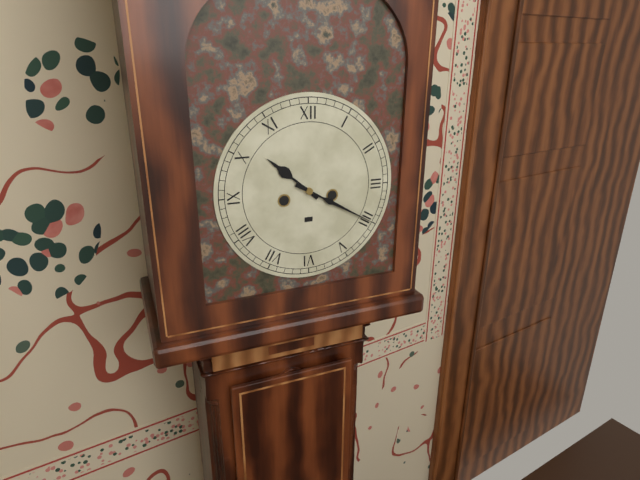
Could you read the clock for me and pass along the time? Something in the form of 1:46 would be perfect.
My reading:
10:20
